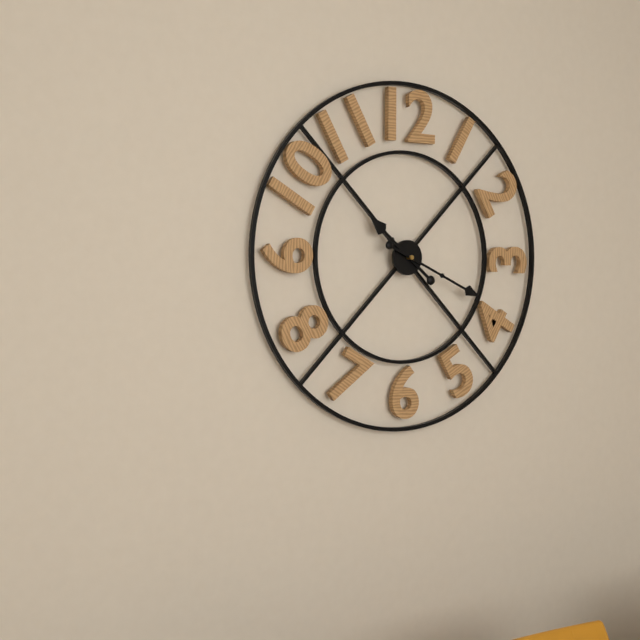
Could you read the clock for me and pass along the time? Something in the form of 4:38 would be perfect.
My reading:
10:19
